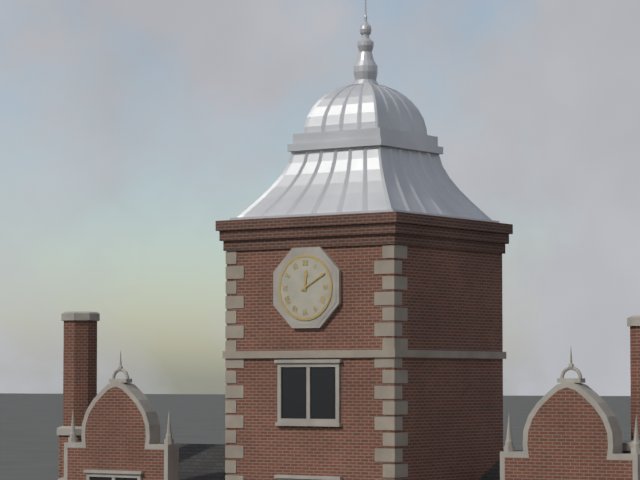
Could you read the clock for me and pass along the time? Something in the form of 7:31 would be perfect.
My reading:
12:10
